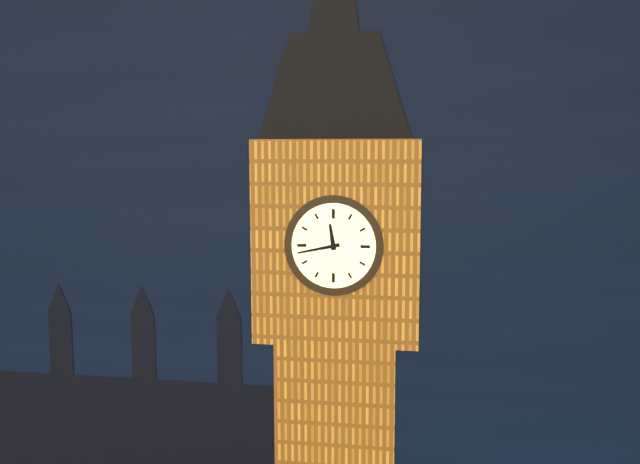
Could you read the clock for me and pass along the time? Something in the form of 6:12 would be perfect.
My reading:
11:43
